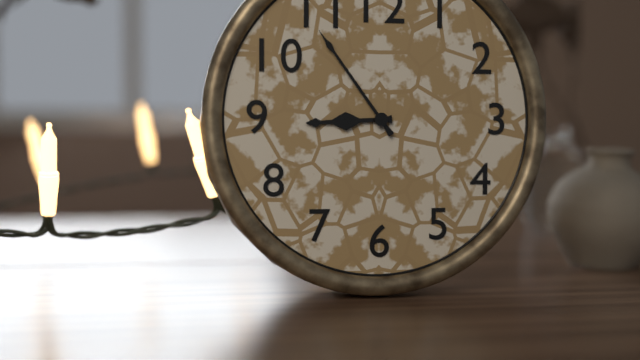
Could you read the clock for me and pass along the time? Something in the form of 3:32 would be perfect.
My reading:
8:54
